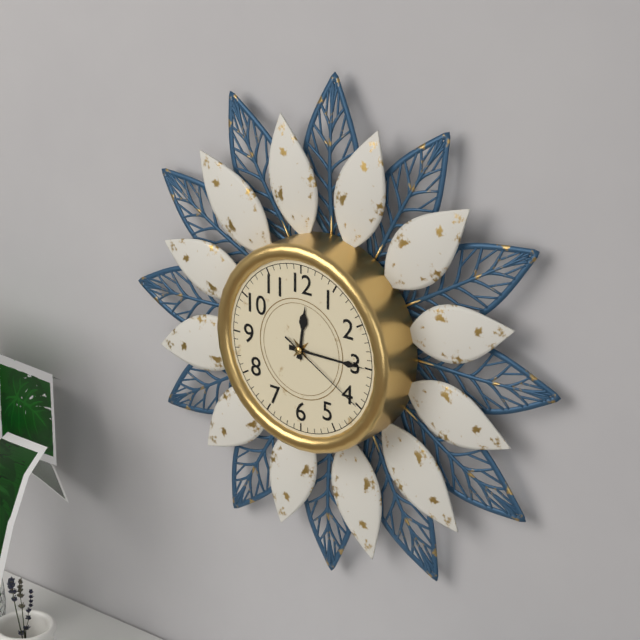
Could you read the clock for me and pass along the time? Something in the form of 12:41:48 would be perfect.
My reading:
12:15:20
